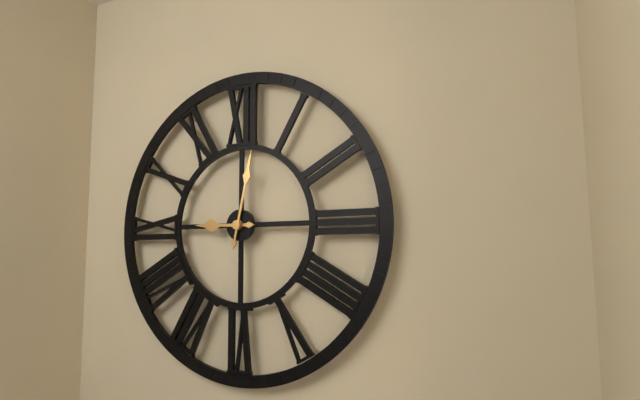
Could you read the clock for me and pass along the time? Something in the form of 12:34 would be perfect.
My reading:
9:02
